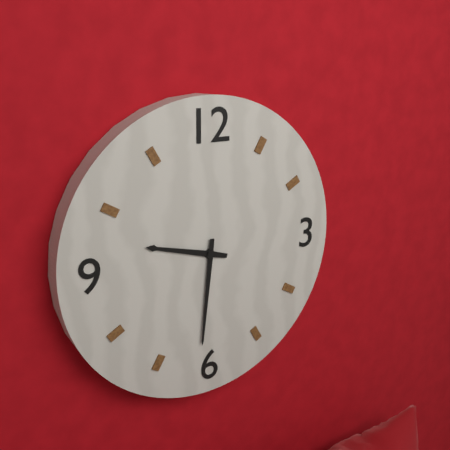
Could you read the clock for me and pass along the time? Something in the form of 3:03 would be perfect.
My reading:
9:31
